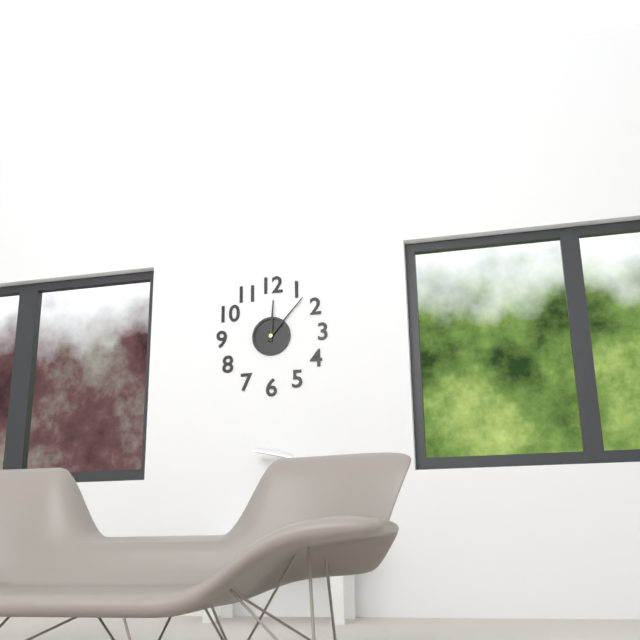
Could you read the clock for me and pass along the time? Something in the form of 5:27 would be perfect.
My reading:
12:07
